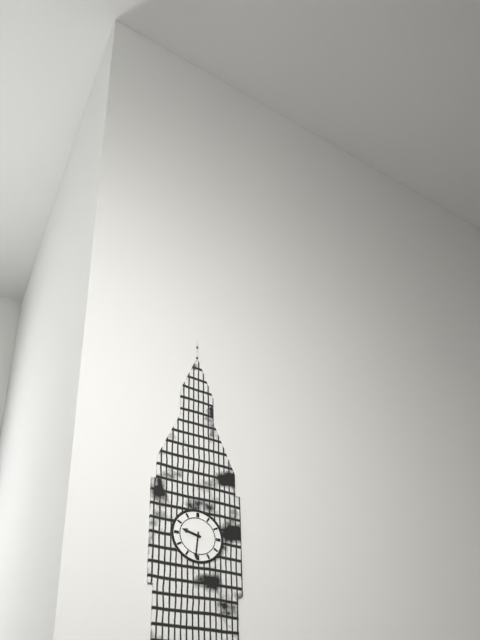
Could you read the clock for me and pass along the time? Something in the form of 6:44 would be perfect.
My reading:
9:31
